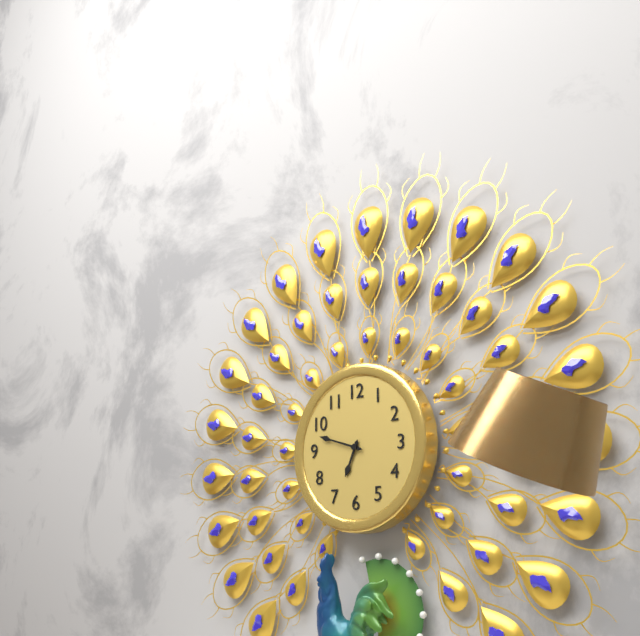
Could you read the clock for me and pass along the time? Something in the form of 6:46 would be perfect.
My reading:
6:48
